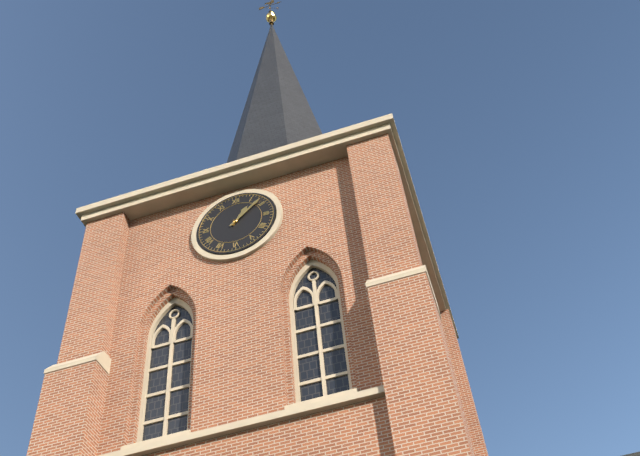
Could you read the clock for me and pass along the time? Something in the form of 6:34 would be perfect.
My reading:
1:08
